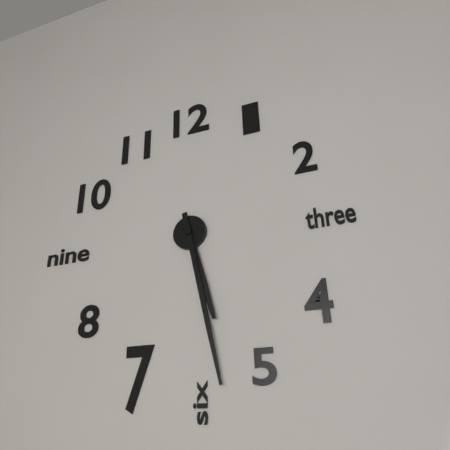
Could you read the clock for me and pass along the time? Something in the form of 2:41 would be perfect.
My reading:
5:28
